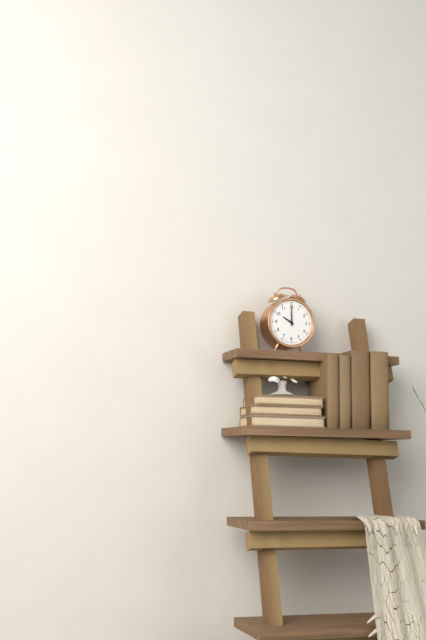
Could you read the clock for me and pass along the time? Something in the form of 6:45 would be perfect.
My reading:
10:00
